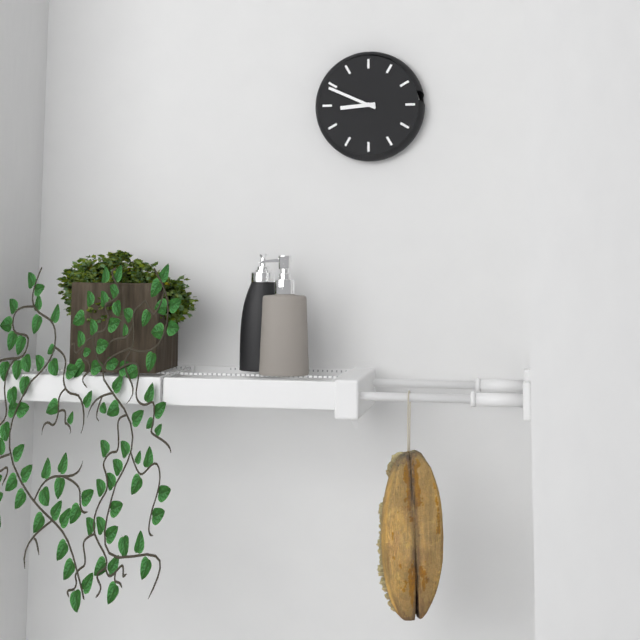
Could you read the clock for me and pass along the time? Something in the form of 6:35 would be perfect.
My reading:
8:49
